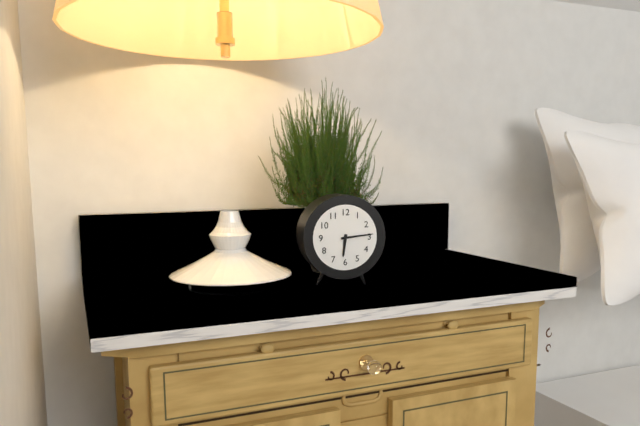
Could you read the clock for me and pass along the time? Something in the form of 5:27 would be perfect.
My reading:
6:14
